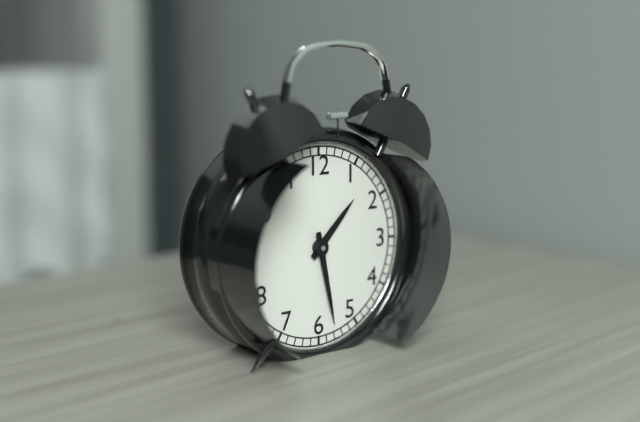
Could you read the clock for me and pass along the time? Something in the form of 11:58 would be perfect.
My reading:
1:28
